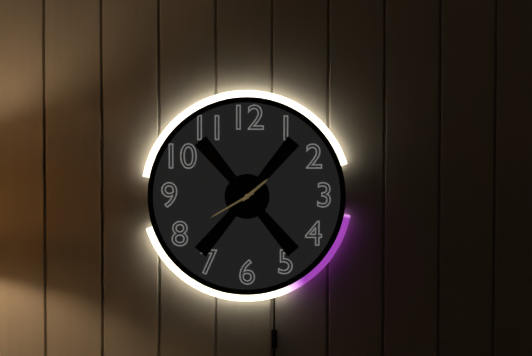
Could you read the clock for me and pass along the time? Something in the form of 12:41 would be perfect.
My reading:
1:40
